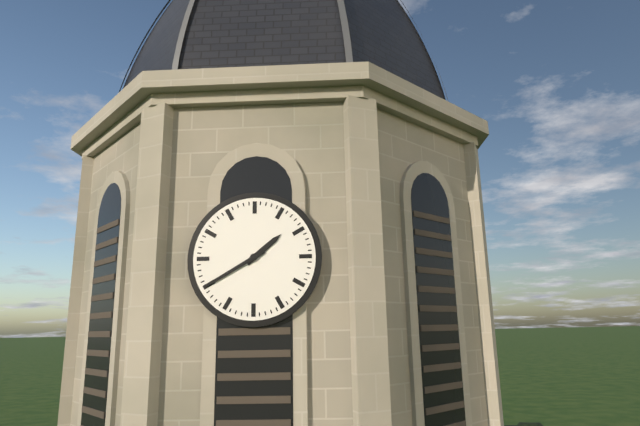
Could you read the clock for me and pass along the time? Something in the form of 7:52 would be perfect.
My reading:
1:40
